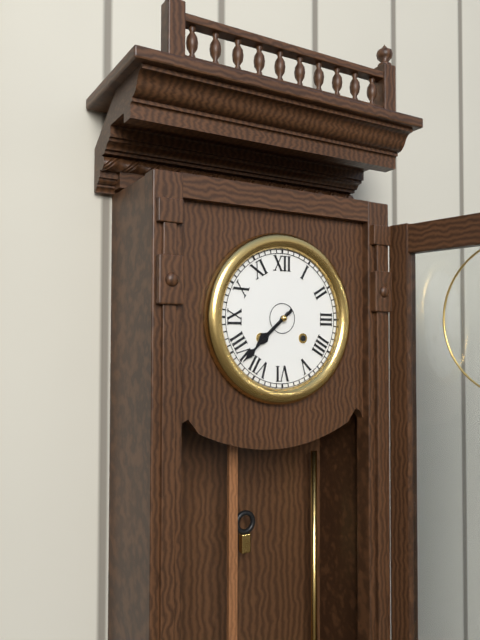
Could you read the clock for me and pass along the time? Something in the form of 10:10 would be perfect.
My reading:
7:38
